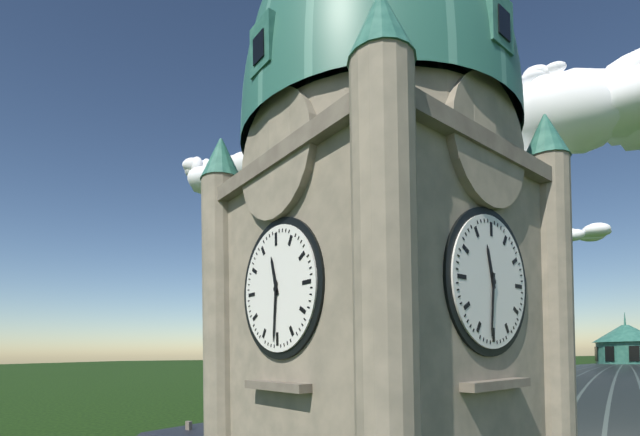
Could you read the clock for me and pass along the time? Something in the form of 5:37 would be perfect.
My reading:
11:31
